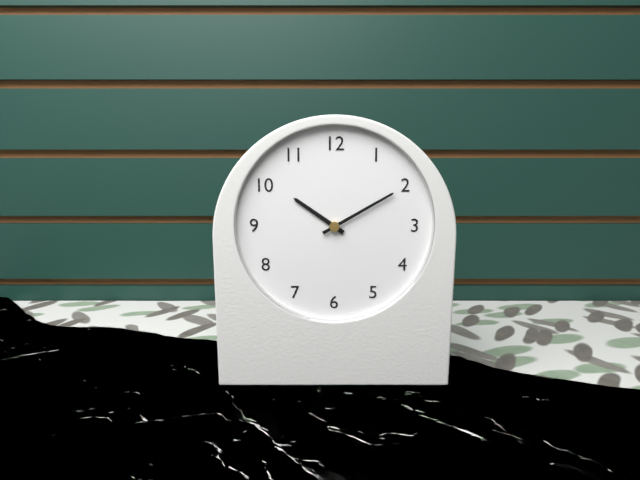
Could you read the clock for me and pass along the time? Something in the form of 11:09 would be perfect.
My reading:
10:10
